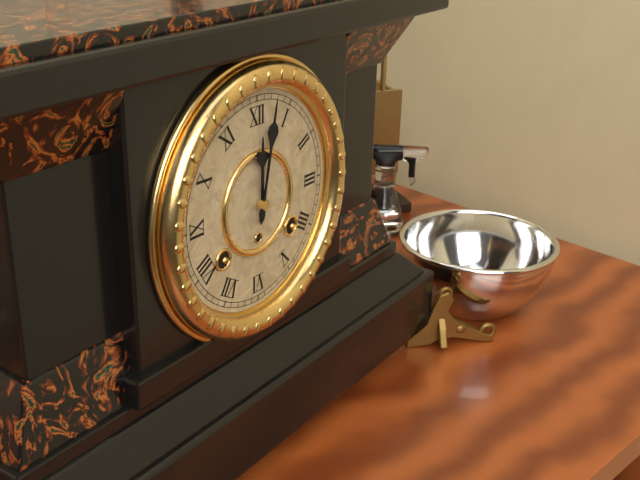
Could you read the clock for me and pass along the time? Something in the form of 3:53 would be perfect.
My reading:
12:02
